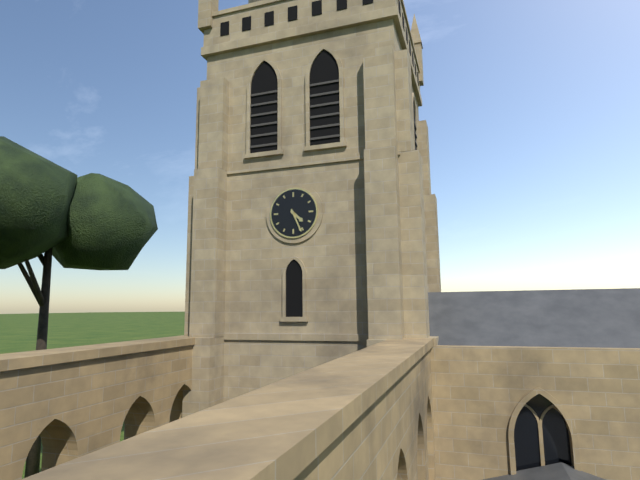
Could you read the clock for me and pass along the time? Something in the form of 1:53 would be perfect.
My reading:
4:26
